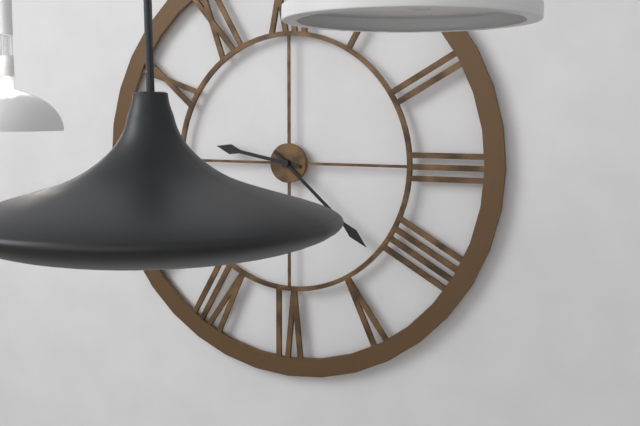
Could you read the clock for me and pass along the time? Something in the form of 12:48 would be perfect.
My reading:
9:22
